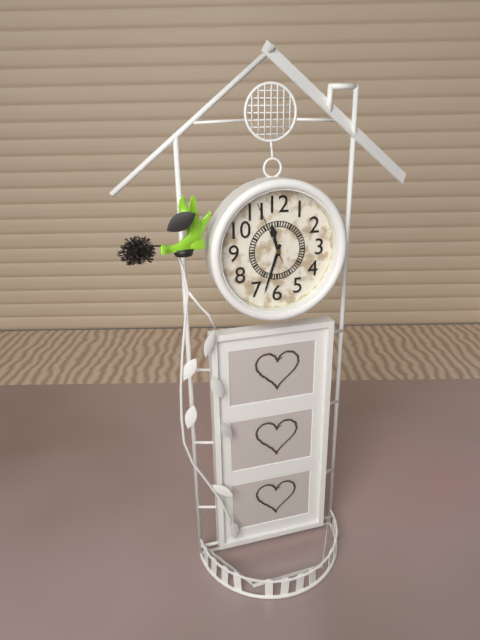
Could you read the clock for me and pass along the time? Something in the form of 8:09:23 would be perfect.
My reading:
11:33:56
